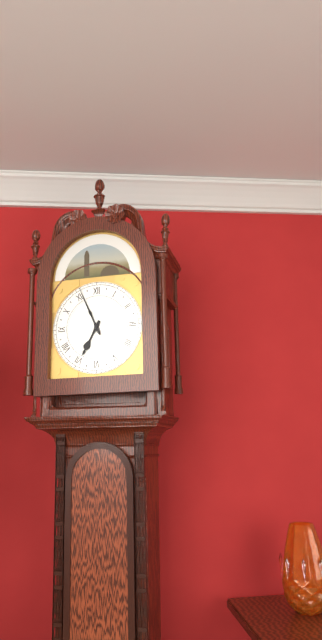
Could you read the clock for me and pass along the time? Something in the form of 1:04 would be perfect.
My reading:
6:56
